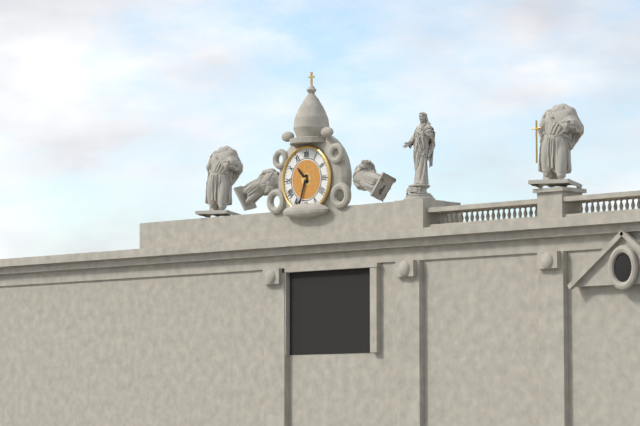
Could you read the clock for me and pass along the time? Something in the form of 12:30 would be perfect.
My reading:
10:33
